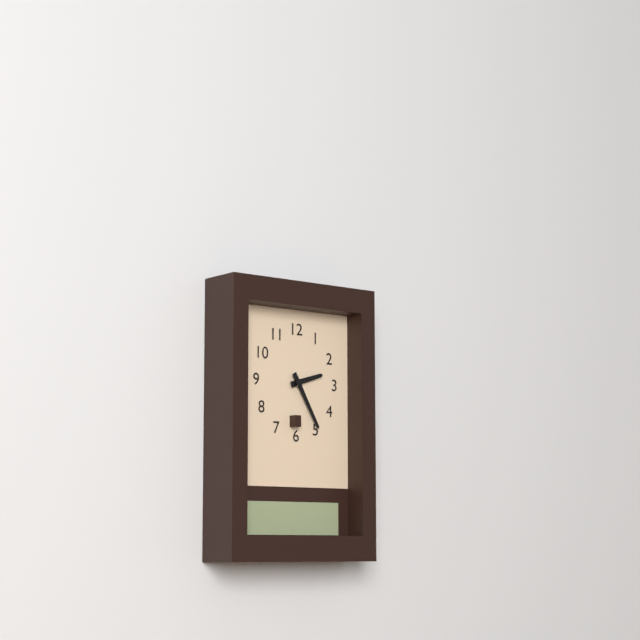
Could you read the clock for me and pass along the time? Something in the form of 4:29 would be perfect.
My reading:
2:25
